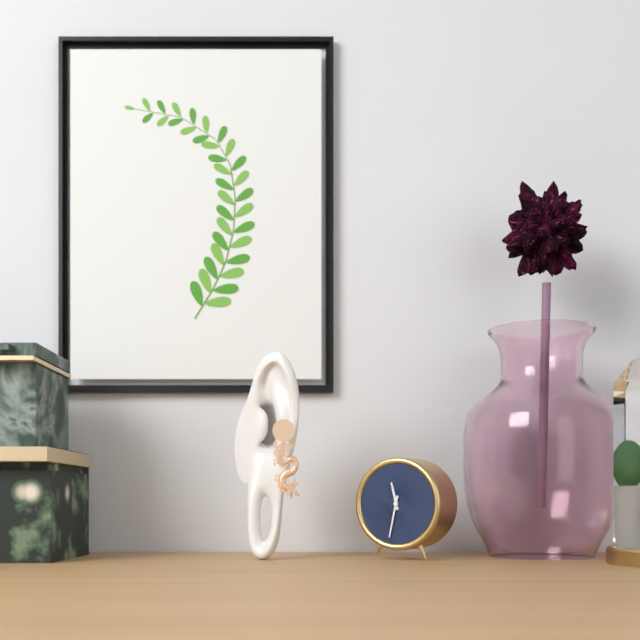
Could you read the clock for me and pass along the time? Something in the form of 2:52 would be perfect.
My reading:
11:32
